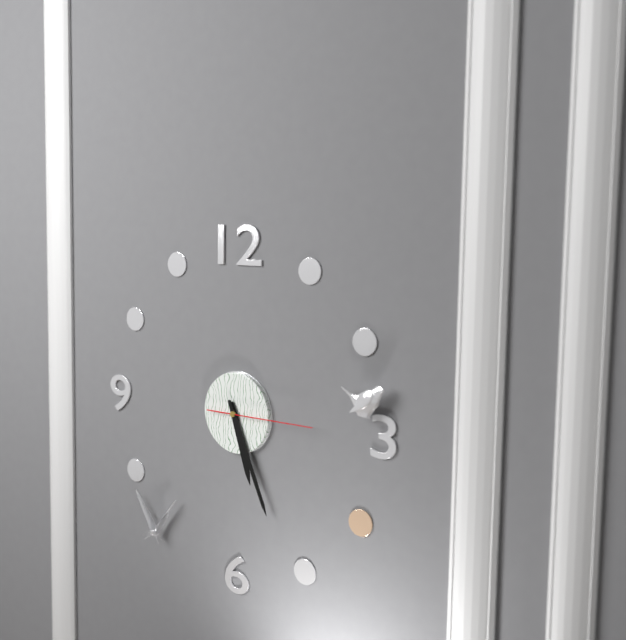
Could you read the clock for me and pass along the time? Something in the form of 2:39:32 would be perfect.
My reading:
5:26:15
